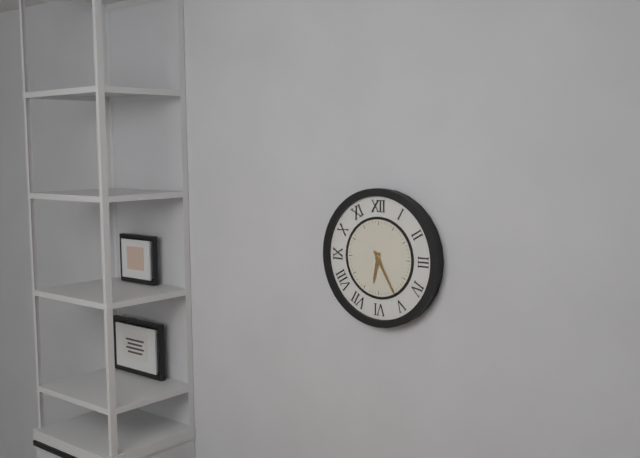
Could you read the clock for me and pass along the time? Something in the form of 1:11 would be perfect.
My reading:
6:25
